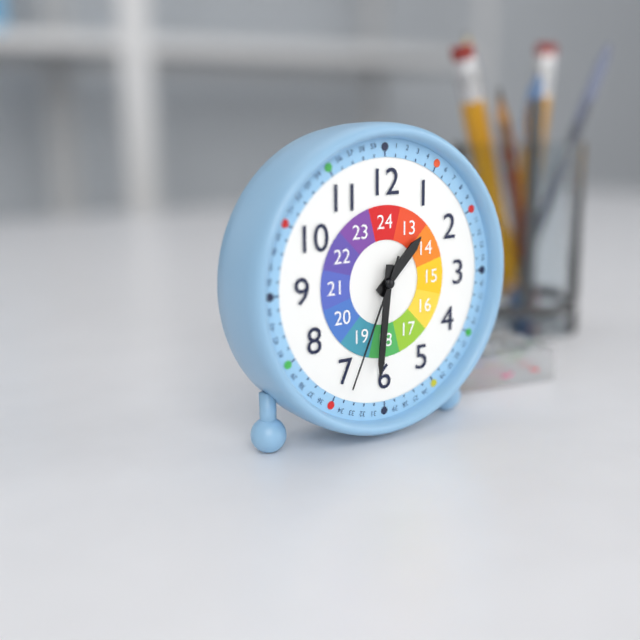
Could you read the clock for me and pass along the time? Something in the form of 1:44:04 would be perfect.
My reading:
1:31:34
